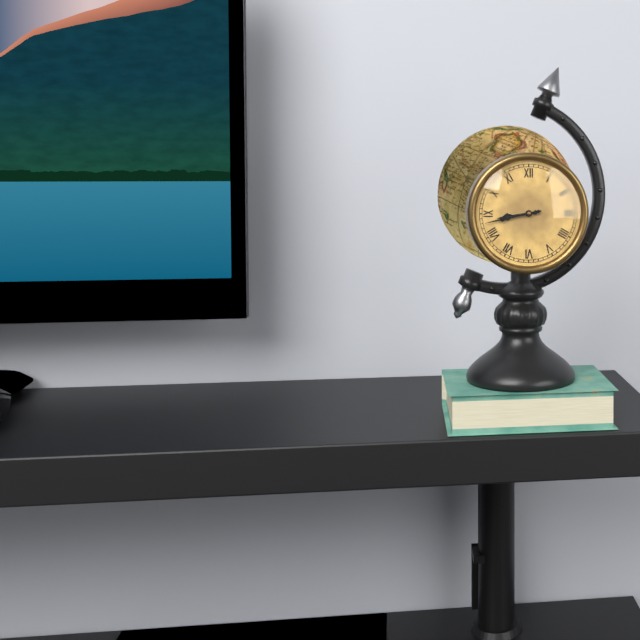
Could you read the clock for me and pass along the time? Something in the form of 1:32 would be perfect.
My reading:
8:43
